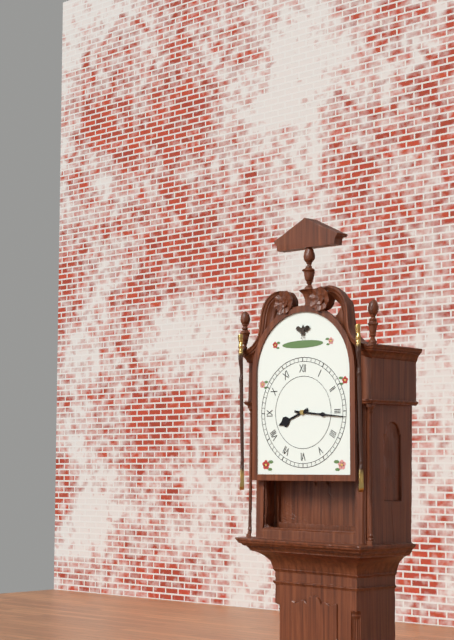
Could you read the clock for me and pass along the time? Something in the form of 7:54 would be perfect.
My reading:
8:16
